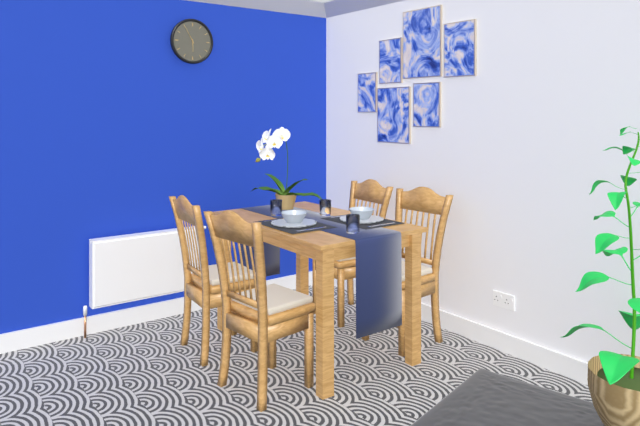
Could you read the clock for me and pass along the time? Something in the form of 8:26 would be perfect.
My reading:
5:55
